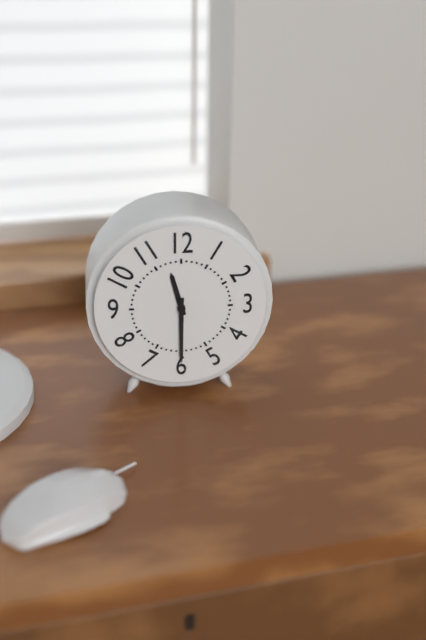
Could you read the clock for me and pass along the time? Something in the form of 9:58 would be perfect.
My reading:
11:30
